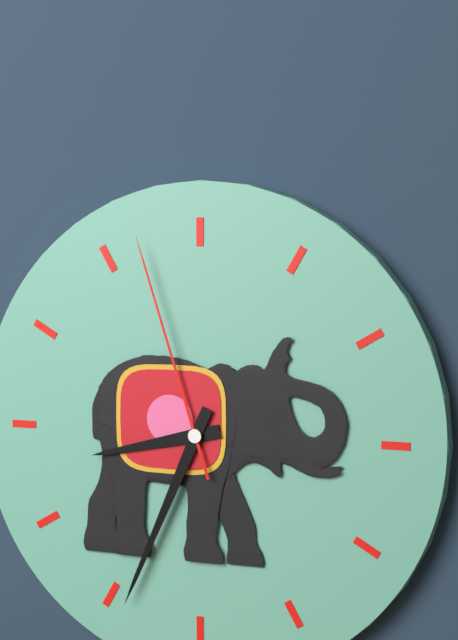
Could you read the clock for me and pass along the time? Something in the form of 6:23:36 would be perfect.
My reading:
8:34:57
